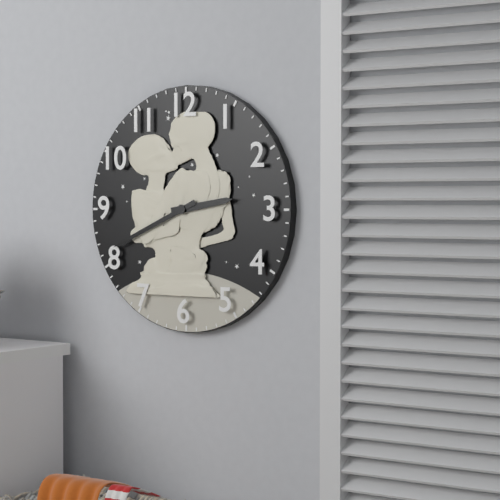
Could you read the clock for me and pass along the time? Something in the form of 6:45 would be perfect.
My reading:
2:41
